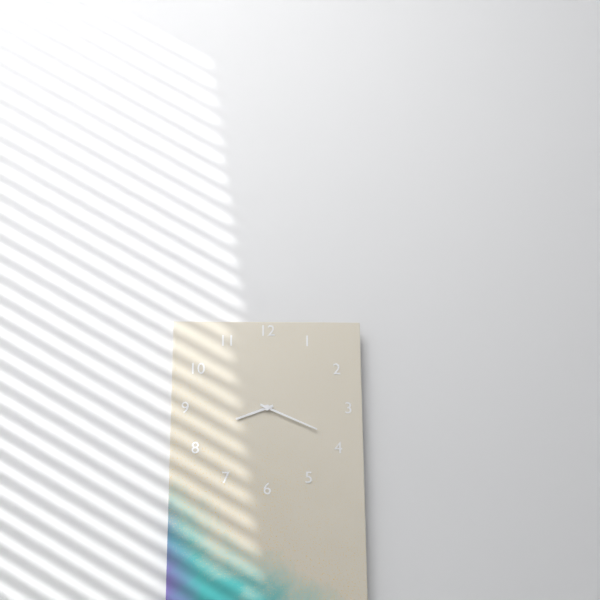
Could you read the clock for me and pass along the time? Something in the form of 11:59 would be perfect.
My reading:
8:19
